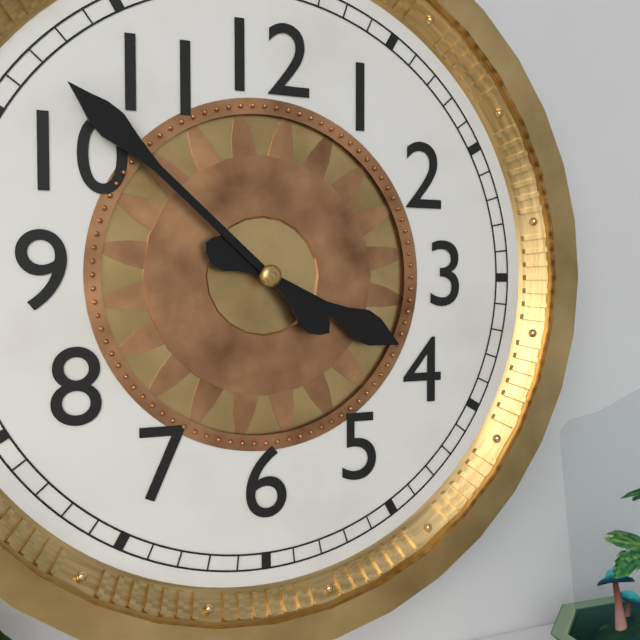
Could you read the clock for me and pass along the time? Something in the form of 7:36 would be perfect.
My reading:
3:52
